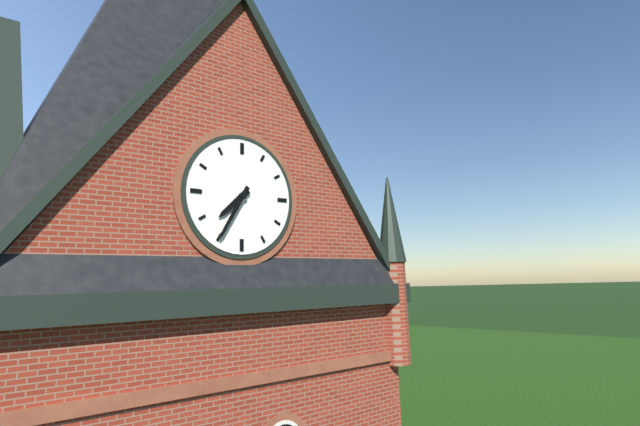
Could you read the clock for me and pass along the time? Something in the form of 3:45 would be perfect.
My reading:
7:35
